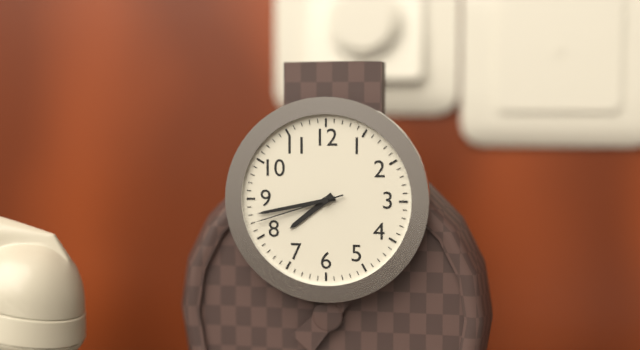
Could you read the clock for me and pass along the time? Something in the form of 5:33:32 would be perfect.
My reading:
7:43:42
